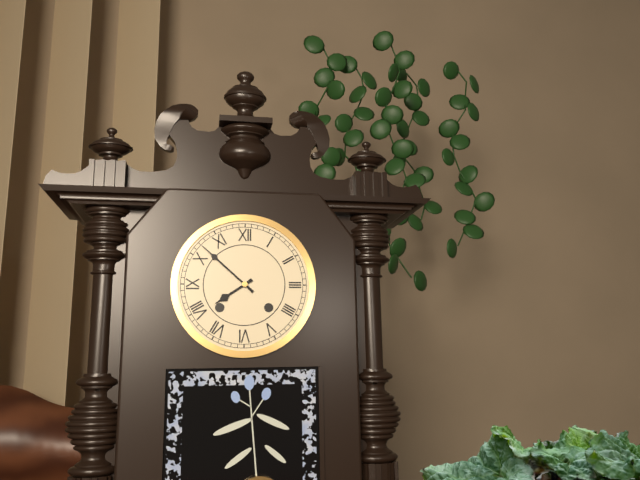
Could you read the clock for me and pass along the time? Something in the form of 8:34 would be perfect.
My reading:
7:52
